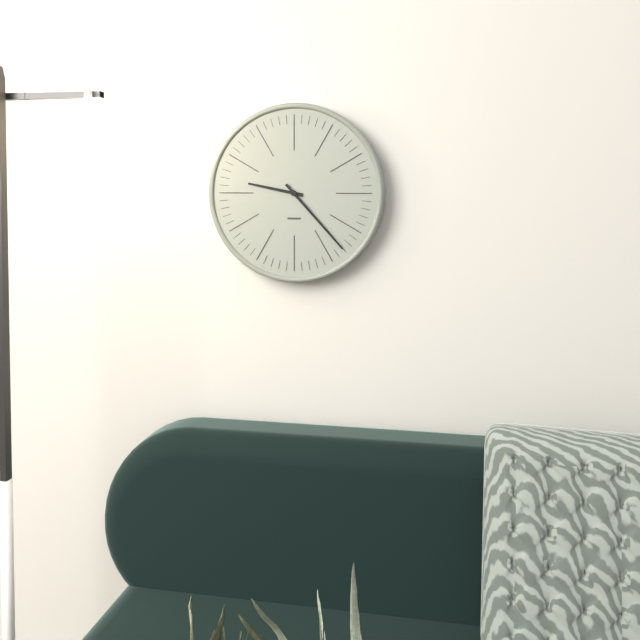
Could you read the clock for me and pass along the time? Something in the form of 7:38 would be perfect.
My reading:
9:23
